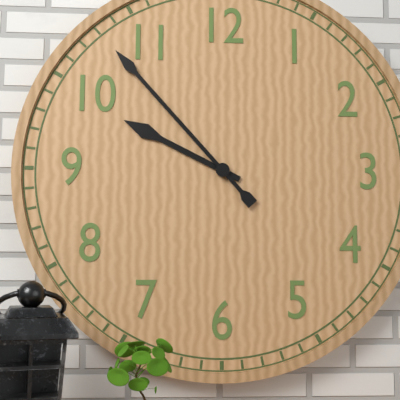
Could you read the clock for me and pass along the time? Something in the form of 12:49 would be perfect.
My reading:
9:53
